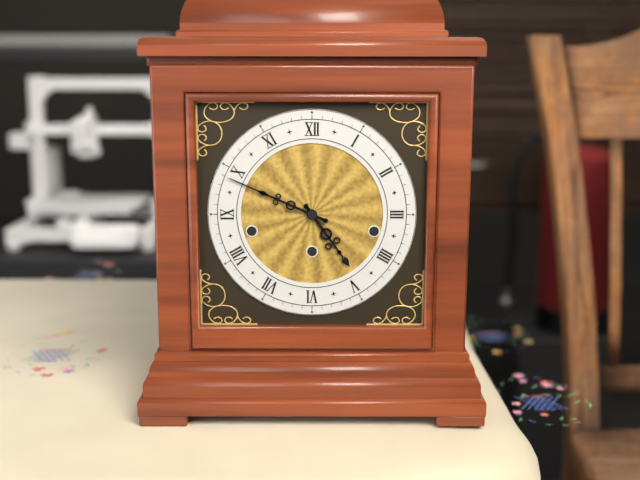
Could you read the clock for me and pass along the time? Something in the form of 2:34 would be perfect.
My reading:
4:49
